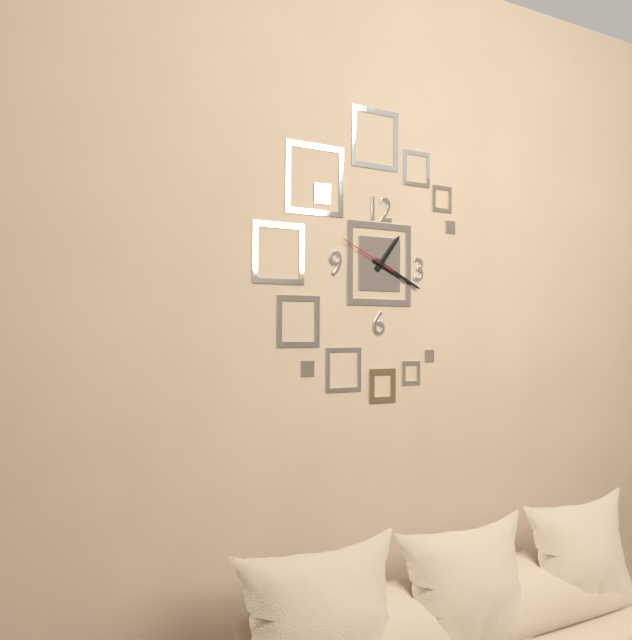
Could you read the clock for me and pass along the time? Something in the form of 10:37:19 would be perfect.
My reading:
1:19:49
